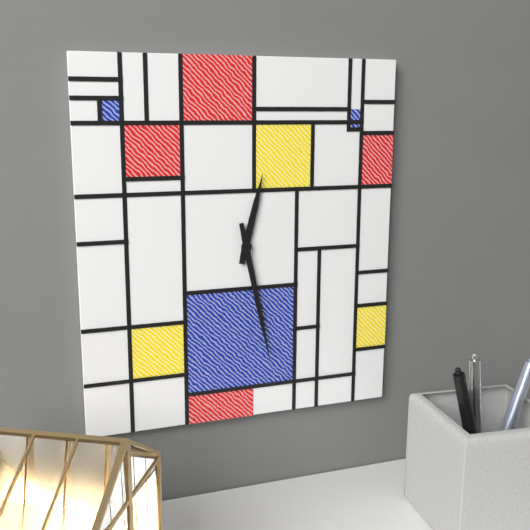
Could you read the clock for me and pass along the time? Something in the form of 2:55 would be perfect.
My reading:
12:28
